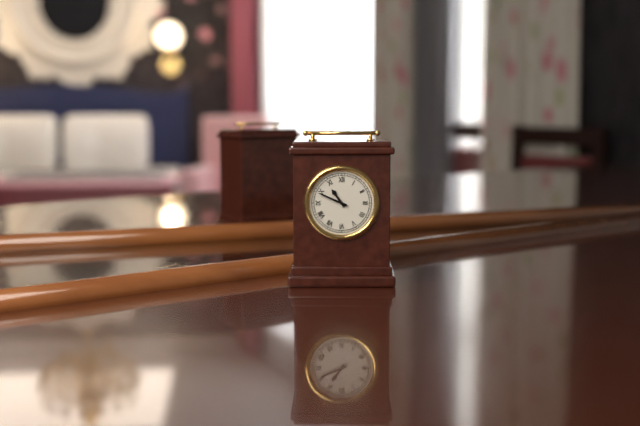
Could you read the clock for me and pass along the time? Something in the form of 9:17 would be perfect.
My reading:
10:49
